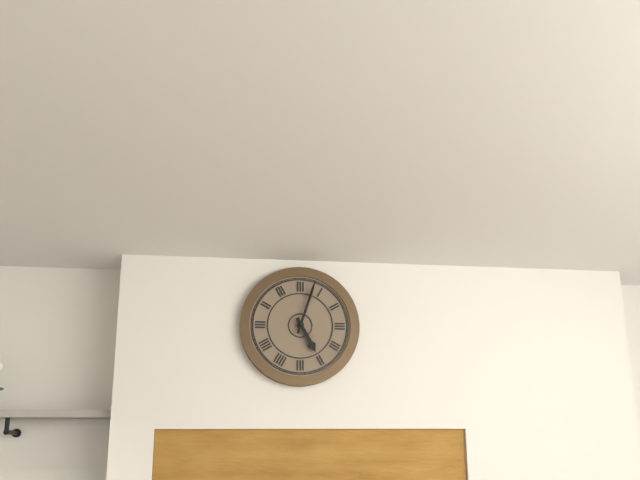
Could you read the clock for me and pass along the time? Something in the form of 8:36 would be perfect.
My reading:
5:03
